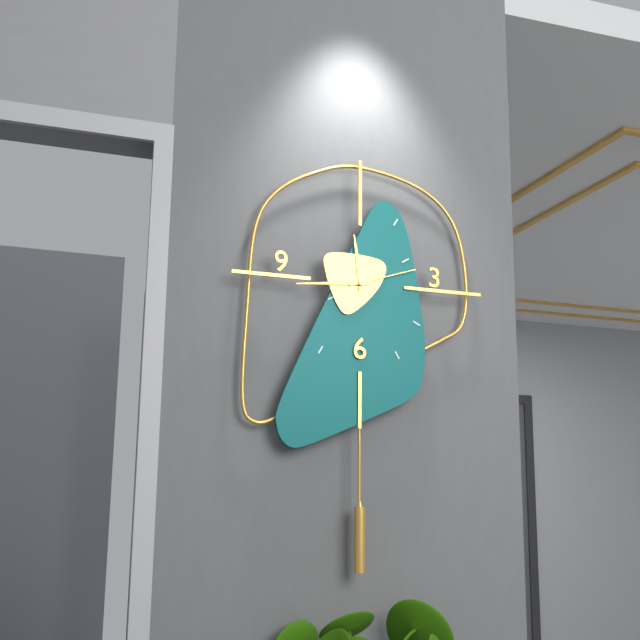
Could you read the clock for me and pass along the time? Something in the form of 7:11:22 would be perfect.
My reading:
11:44:12
